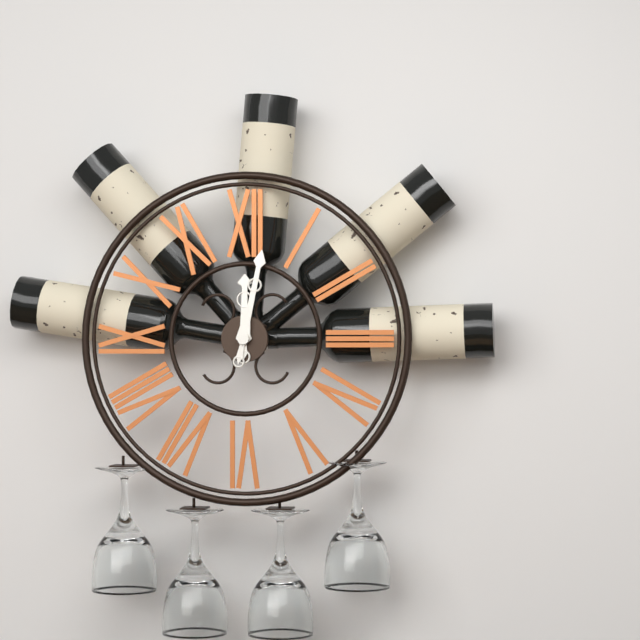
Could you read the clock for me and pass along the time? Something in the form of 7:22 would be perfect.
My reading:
12:02
